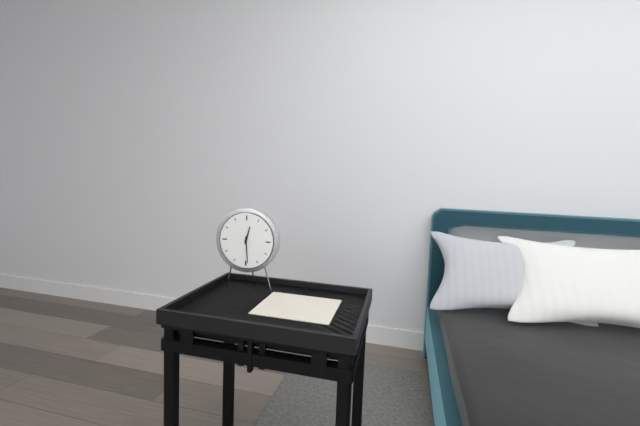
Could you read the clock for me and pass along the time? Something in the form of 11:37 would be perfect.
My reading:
12:29
